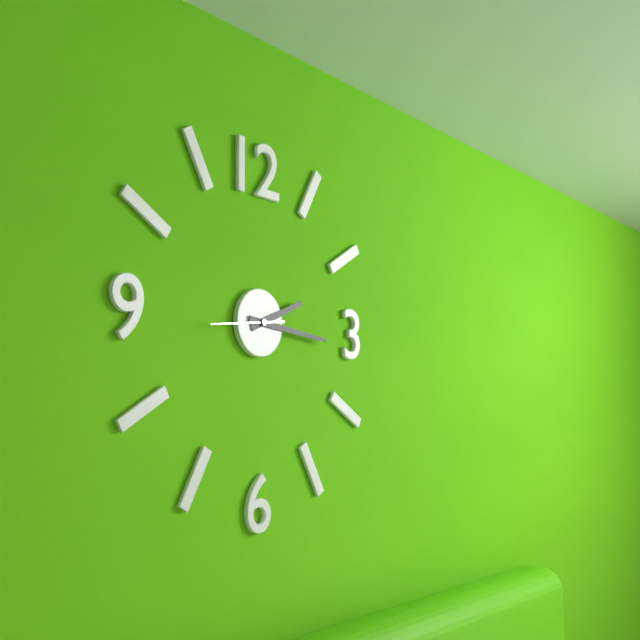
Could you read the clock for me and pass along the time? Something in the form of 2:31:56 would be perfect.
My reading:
2:16:44
